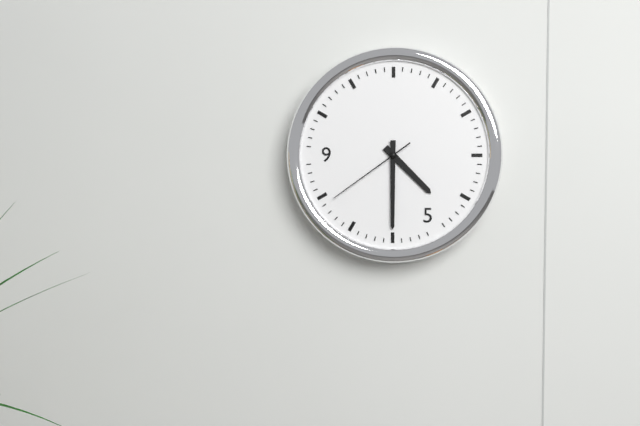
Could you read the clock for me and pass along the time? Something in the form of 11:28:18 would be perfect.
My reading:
4:30:39
